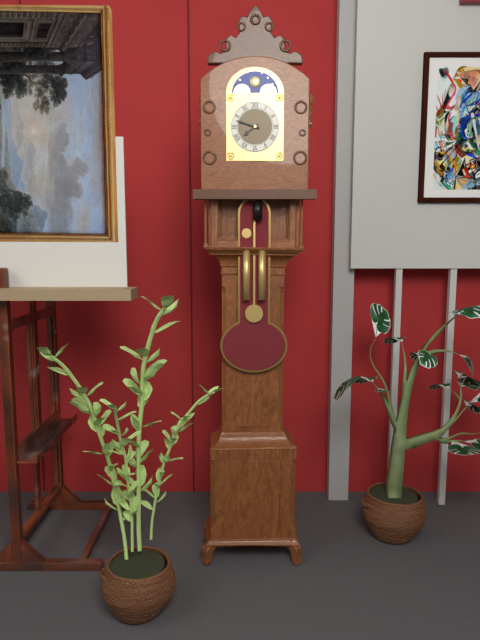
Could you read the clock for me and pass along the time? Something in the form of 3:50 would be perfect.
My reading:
7:48
